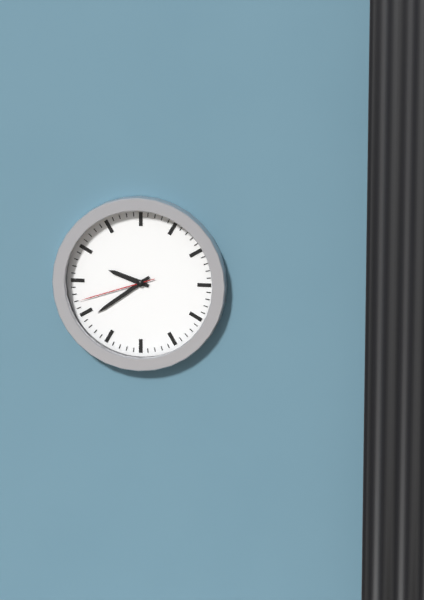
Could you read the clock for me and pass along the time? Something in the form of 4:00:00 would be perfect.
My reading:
9:39:42
